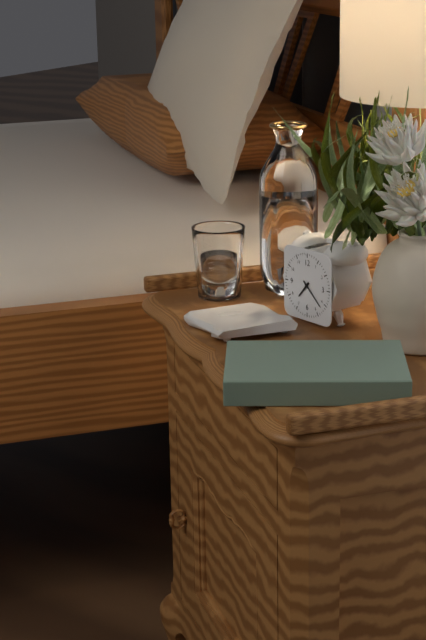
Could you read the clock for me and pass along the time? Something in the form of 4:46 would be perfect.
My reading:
7:22
